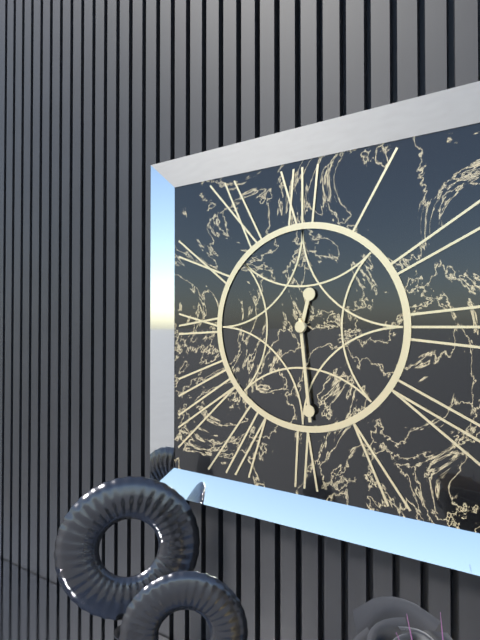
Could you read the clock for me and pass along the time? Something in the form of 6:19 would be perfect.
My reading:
12:29
